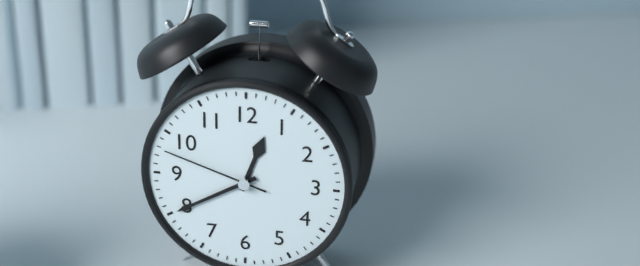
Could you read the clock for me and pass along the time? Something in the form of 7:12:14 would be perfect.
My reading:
12:40:48
